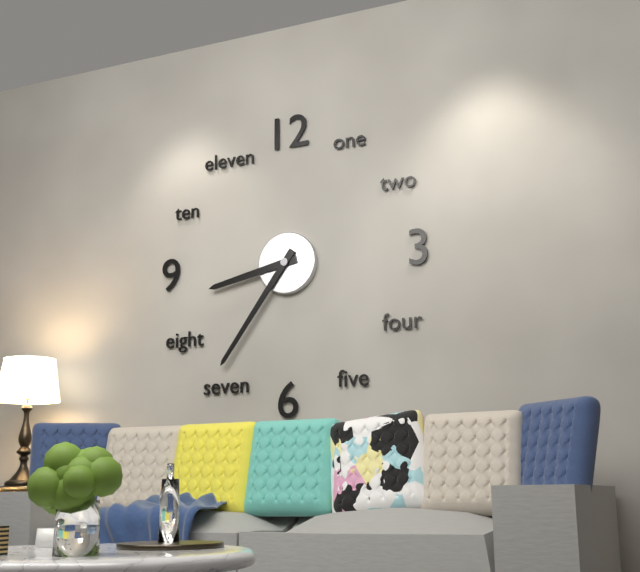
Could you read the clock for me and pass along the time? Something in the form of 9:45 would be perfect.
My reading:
8:36
